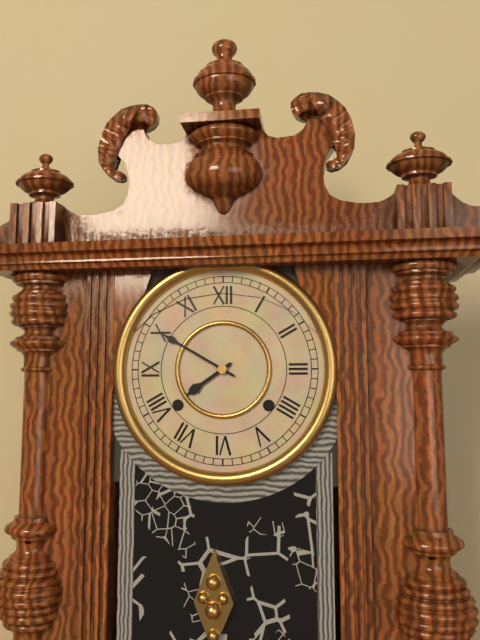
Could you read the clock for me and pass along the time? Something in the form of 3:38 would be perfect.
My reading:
7:50
